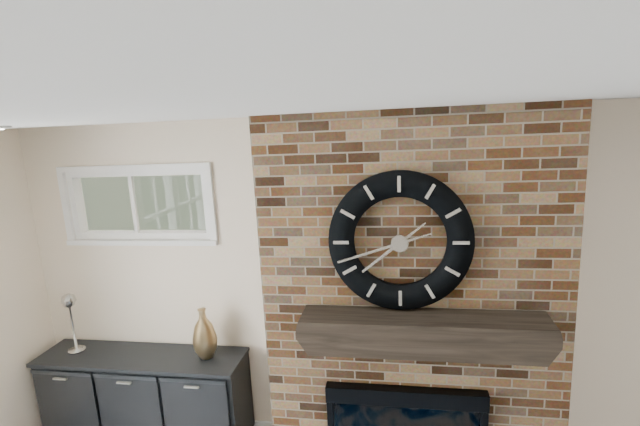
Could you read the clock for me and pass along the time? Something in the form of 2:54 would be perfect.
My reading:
7:42
